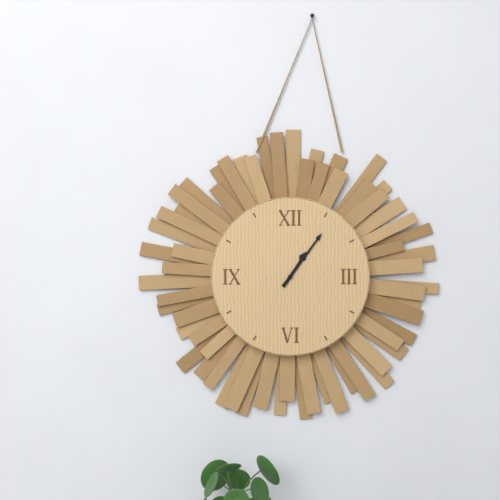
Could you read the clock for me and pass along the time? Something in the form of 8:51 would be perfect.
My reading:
1:06
